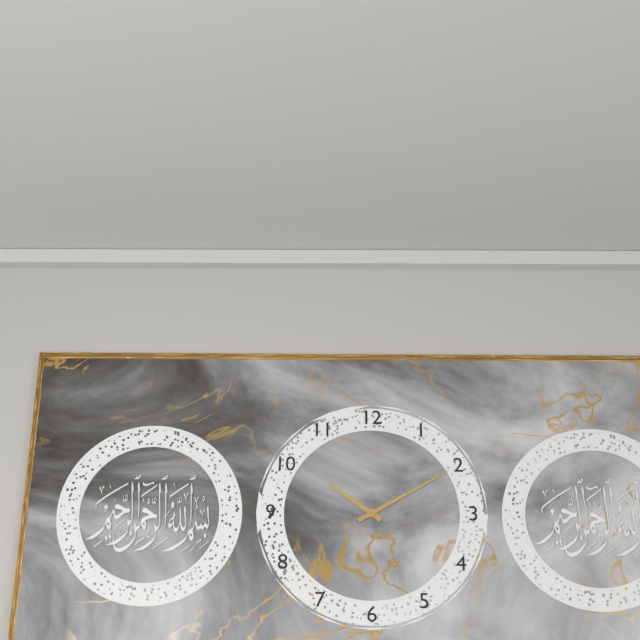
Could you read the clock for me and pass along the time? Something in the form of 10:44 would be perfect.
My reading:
10:10
